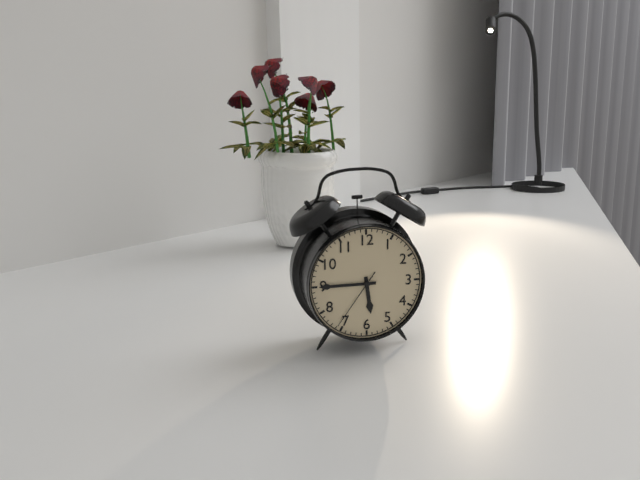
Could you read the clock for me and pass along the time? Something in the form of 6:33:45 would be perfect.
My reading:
5:45:36
